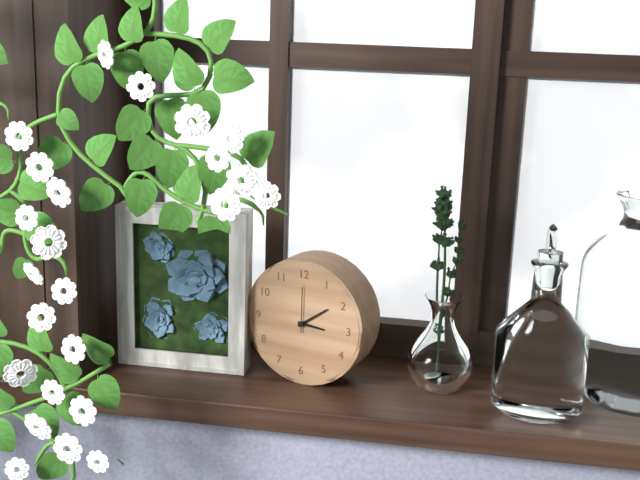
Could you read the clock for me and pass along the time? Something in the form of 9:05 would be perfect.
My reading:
3:09
